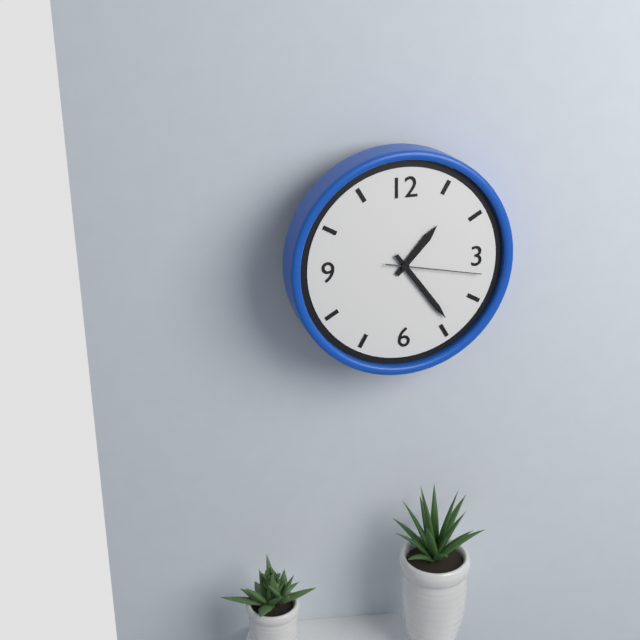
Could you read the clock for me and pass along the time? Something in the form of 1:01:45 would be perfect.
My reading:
1:24:17
